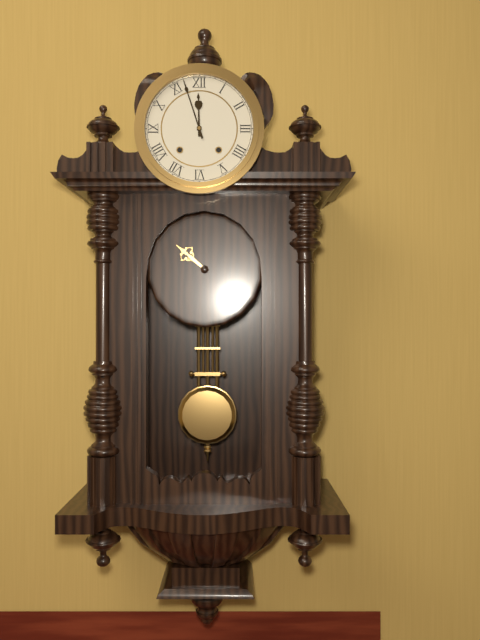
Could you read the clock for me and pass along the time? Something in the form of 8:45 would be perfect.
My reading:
11:57
